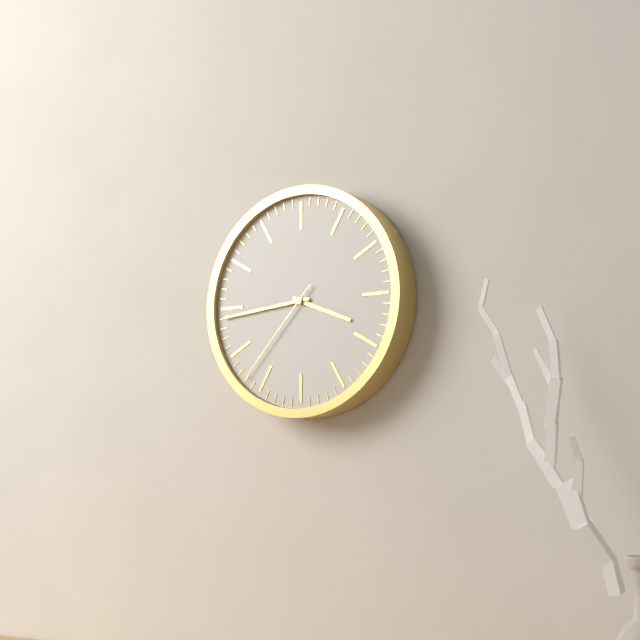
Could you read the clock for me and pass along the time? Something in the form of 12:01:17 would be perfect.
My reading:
3:44:37
